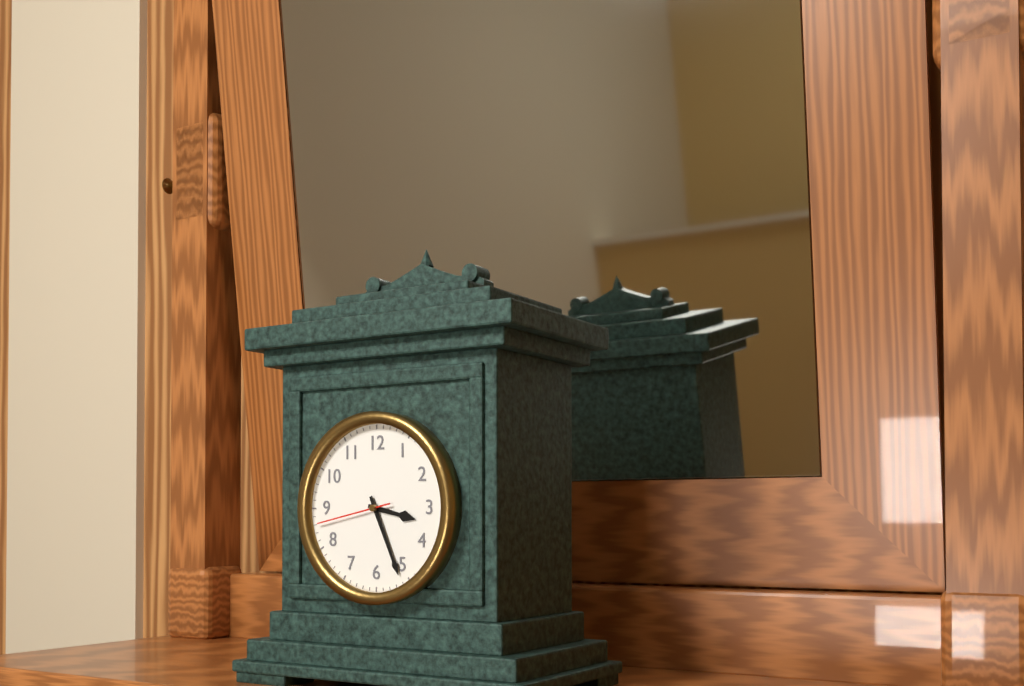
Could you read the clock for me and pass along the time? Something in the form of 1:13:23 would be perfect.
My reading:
3:26:43
